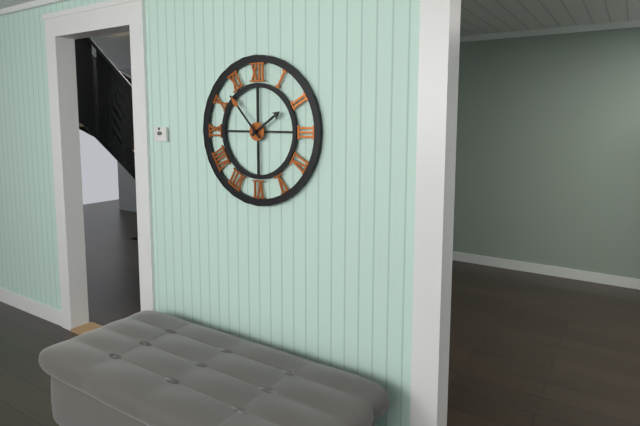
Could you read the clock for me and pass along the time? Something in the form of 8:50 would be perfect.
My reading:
1:53
